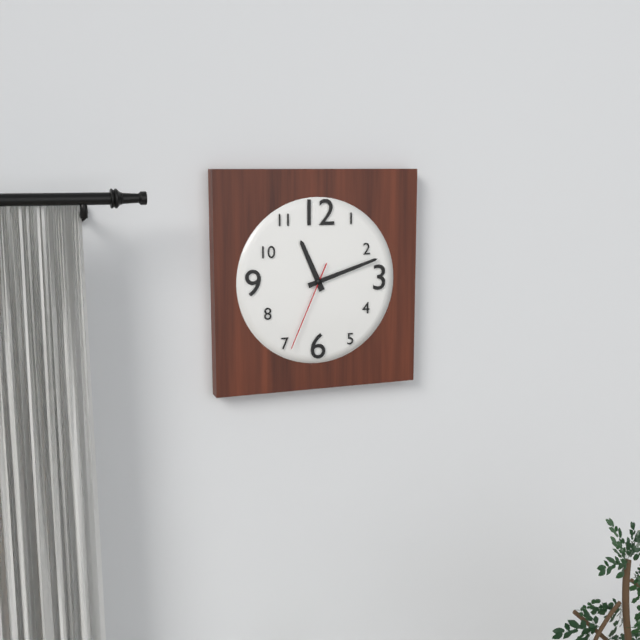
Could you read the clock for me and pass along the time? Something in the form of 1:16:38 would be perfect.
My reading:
11:12:34
